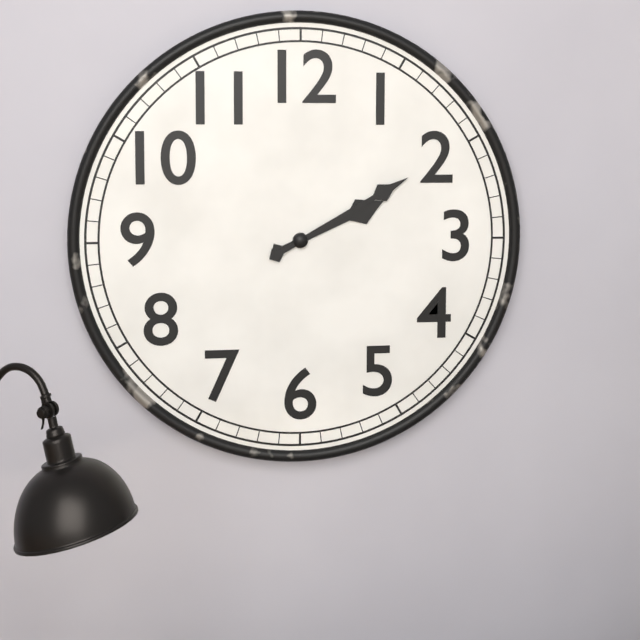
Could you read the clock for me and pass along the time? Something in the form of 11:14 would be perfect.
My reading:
2:10
